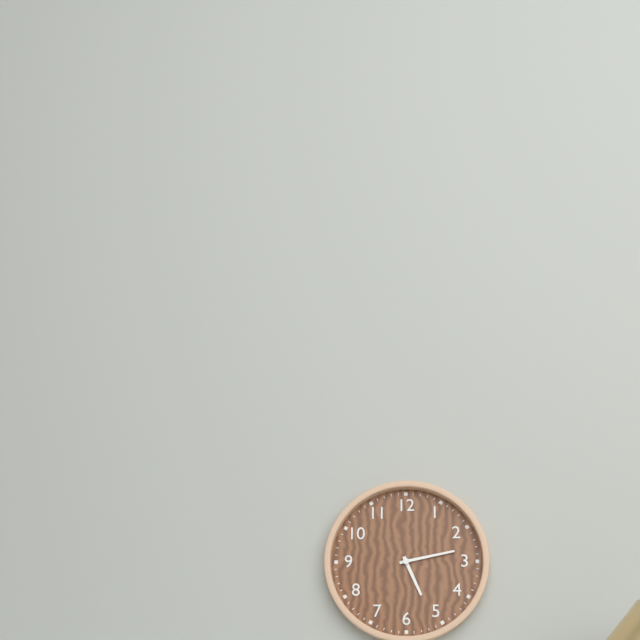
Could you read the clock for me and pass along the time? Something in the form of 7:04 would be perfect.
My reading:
5:13
